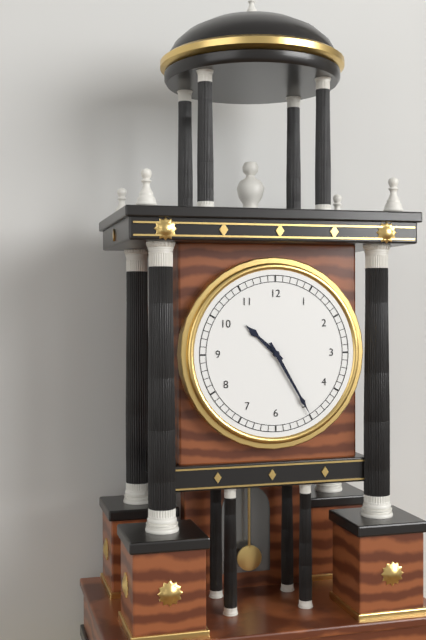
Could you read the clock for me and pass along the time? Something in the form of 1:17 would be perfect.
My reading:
10:25
